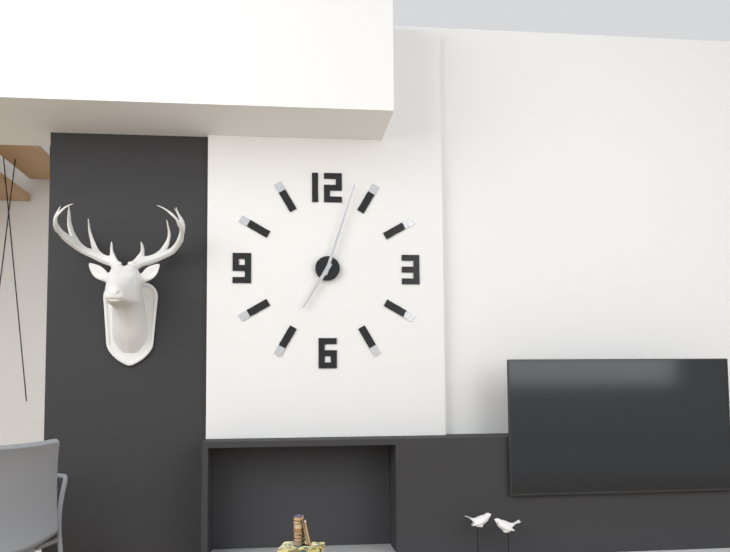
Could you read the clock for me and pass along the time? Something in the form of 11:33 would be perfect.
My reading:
7:03
